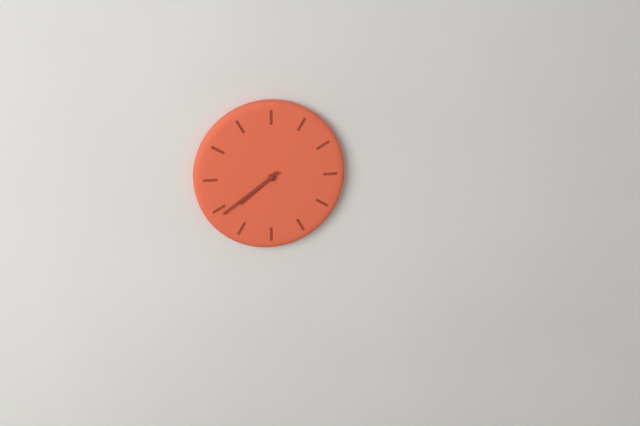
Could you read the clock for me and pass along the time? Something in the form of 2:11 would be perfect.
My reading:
7:39
